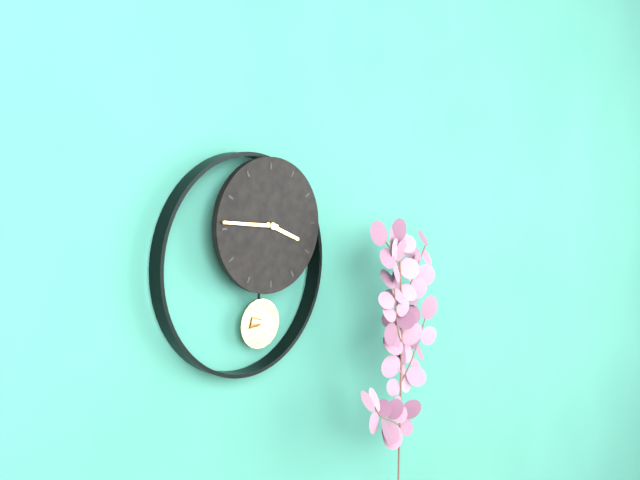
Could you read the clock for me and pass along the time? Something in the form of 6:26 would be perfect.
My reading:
3:46
